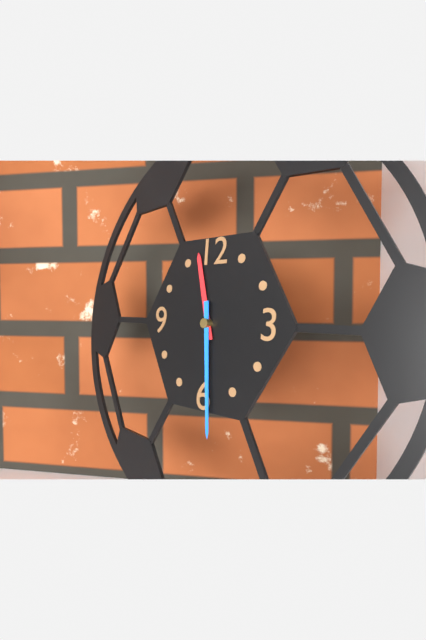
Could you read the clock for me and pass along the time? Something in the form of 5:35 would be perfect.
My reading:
11:29
